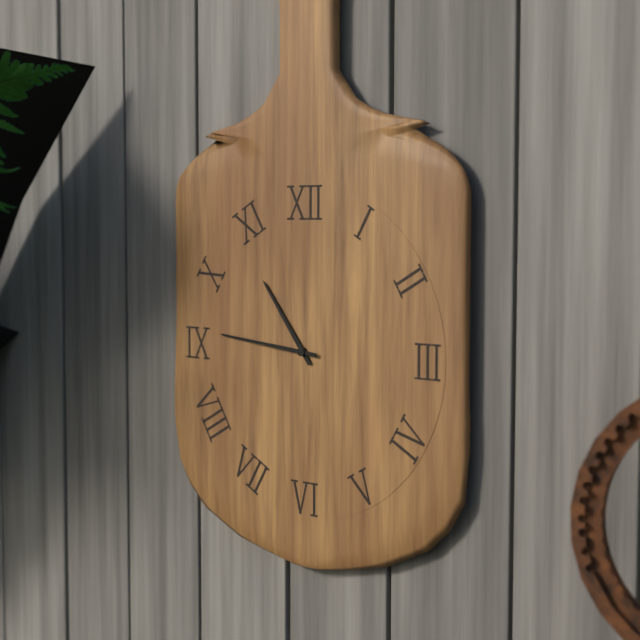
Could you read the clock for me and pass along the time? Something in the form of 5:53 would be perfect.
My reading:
10:46
